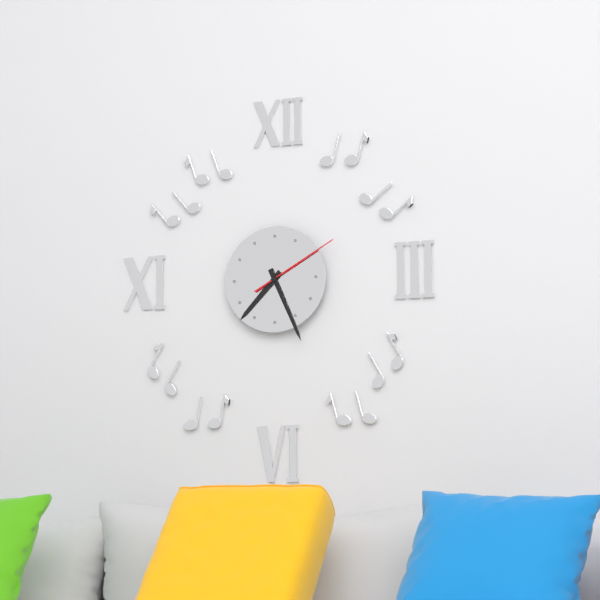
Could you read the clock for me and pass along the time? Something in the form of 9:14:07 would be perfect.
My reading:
7:26:10
